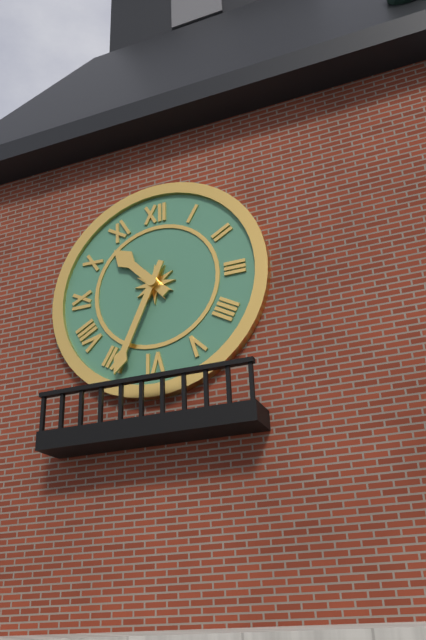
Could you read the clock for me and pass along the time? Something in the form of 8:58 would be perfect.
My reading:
10:34
